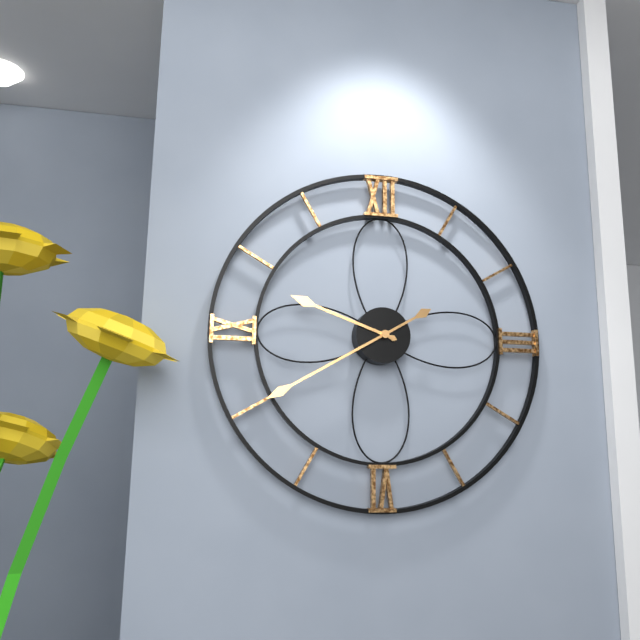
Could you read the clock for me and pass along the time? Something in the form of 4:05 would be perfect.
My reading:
9:40
